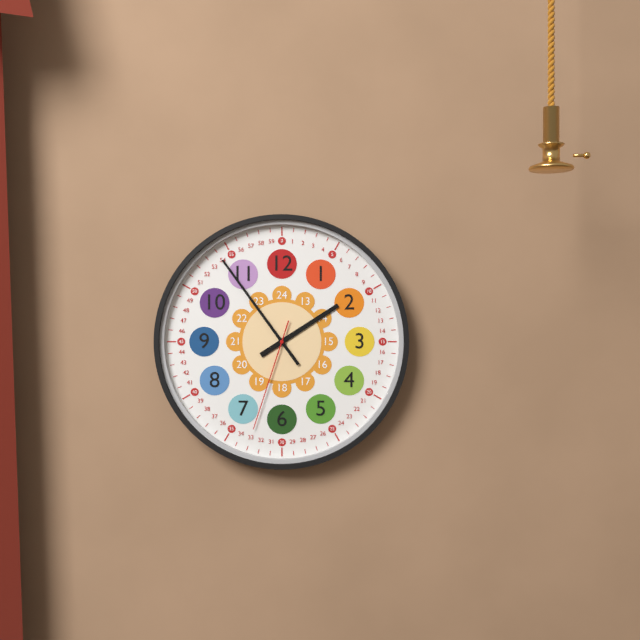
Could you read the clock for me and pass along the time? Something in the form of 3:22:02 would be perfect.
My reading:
1:54:33
